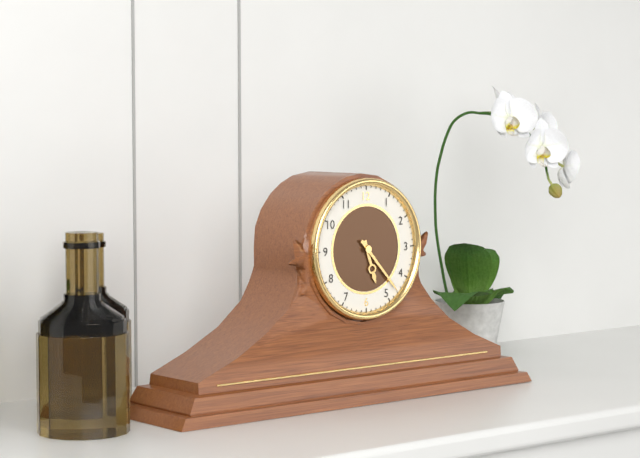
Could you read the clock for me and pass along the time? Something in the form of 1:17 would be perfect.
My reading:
5:23
